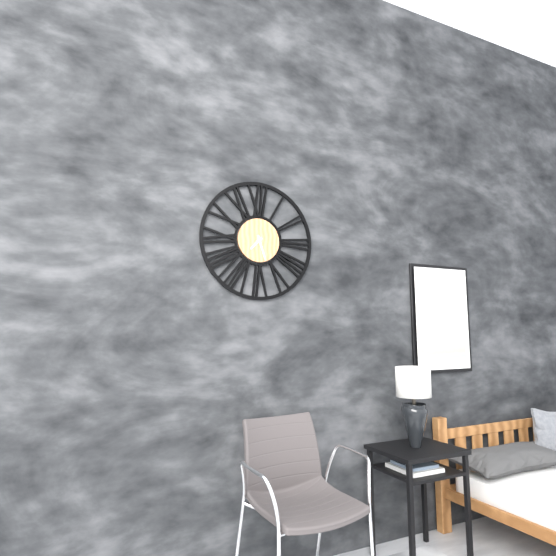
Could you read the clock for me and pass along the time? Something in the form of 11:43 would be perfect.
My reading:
7:27
